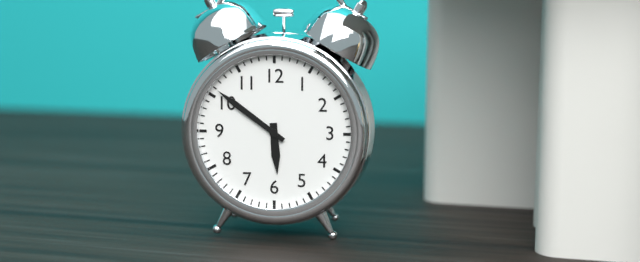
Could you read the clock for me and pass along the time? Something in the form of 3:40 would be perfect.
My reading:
5:51
